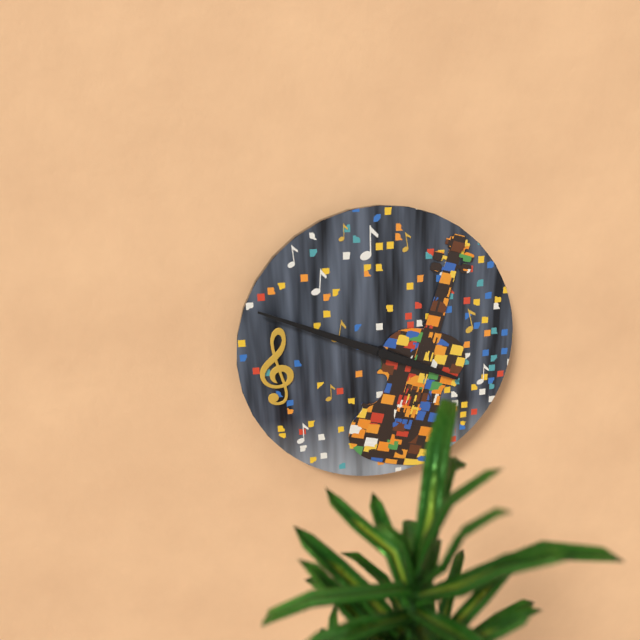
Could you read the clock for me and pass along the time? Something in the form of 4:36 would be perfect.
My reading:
3:49
